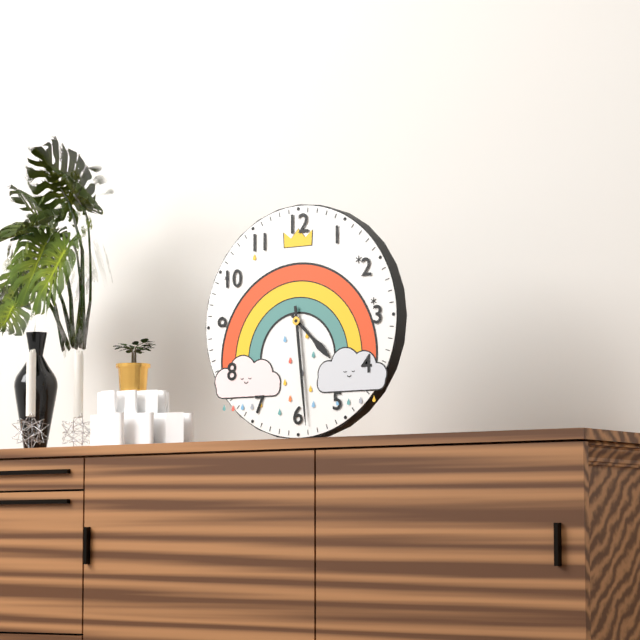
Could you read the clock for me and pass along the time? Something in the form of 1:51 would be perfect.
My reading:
4:29
